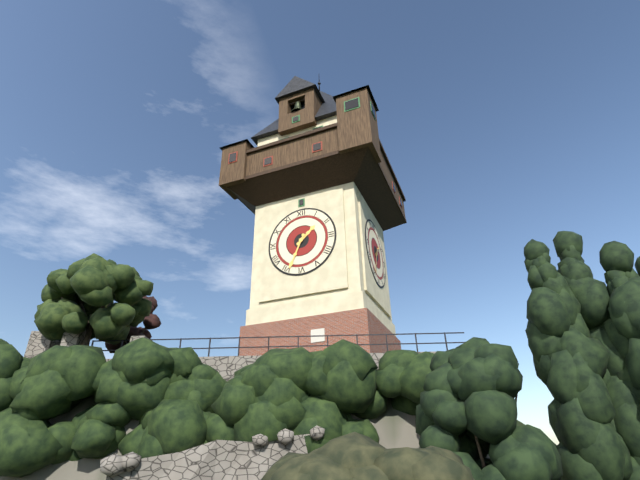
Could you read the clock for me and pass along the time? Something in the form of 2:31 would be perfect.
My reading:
1:34
